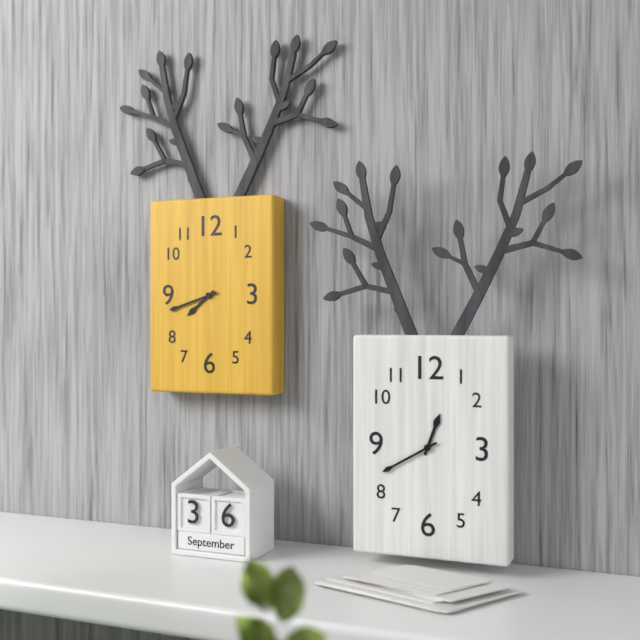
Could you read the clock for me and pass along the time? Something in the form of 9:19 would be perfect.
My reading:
7:42
